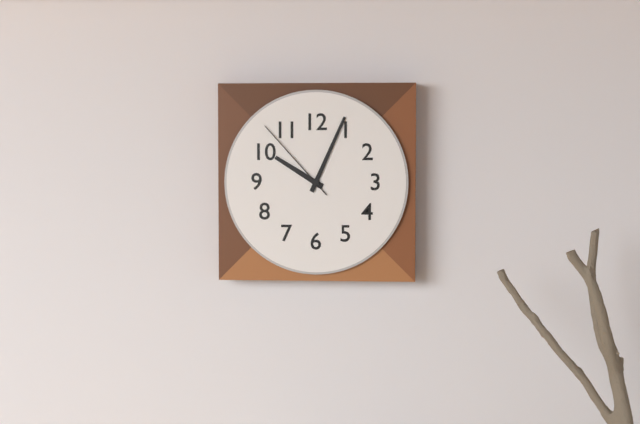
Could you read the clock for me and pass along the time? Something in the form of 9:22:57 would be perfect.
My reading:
10:04:53
